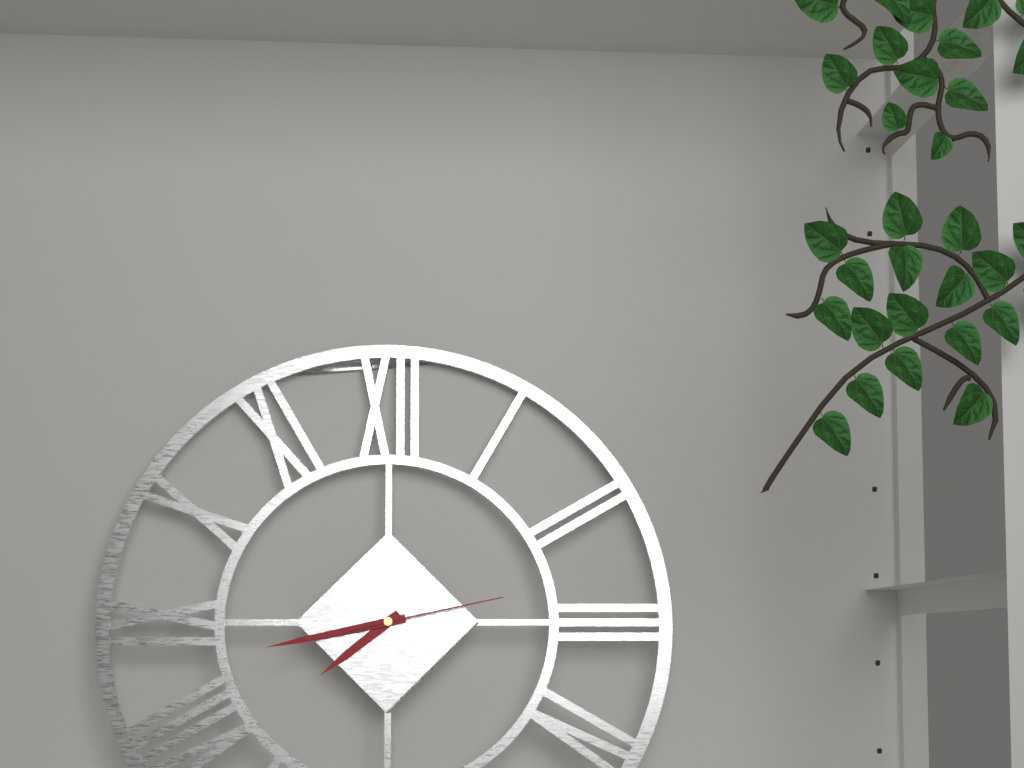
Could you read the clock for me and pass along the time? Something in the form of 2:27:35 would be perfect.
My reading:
7:43:13
